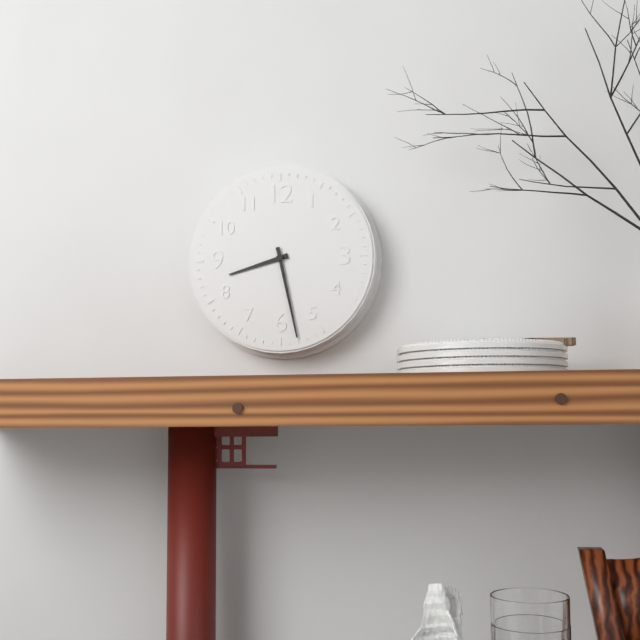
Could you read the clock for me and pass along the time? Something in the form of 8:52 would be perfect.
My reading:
8:28
